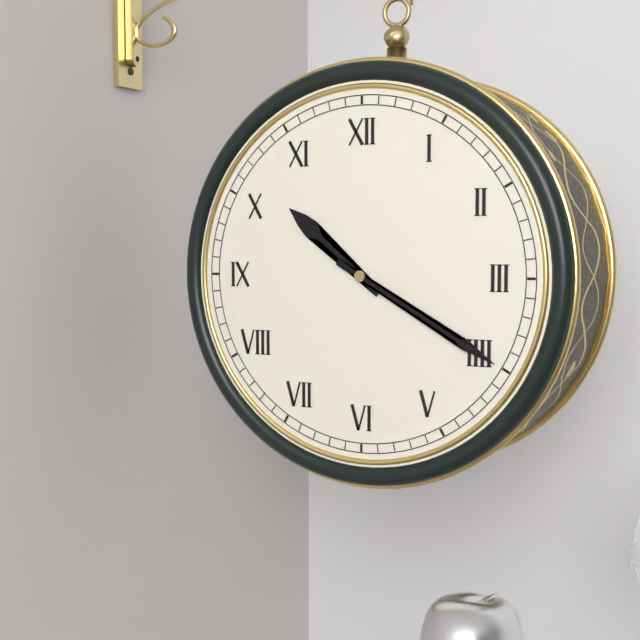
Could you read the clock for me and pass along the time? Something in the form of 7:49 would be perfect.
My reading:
10:20
